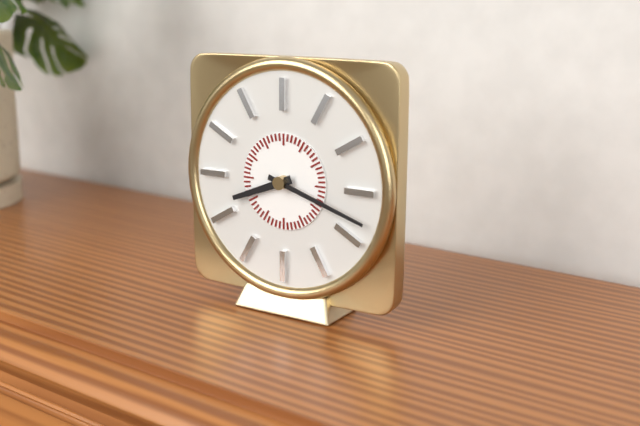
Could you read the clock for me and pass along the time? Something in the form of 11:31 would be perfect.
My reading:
8:18
